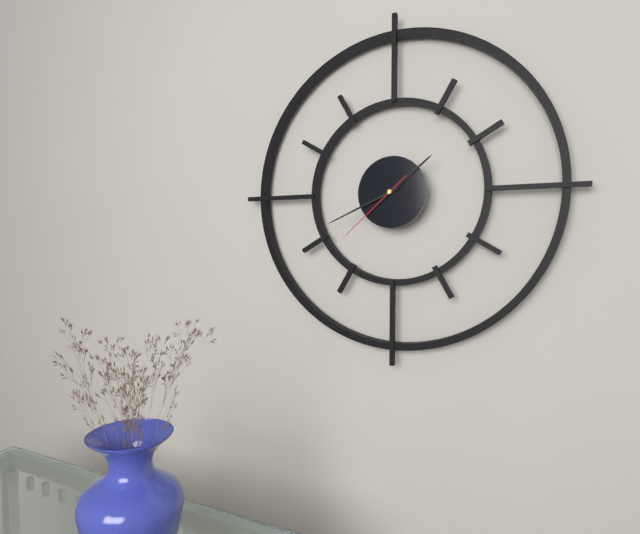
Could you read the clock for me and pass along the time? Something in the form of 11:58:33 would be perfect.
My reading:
1:41:38
